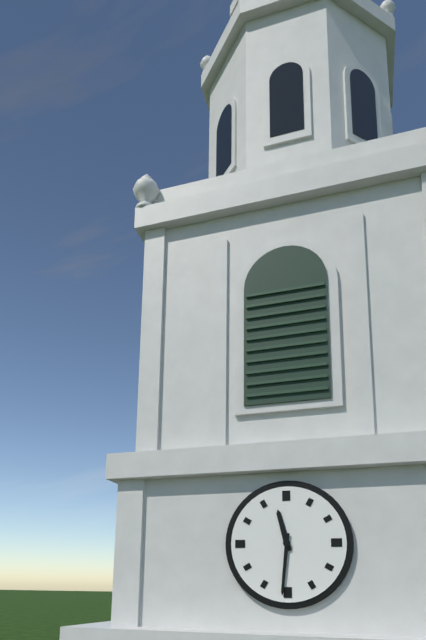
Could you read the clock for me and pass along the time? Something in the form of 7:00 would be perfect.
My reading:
11:31
